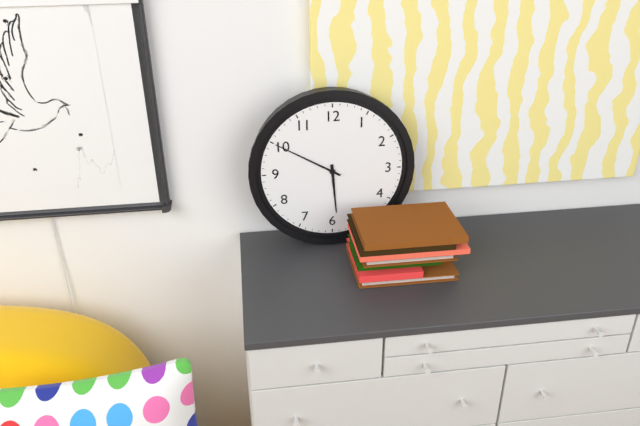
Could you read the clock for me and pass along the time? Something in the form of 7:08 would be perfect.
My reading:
5:50
